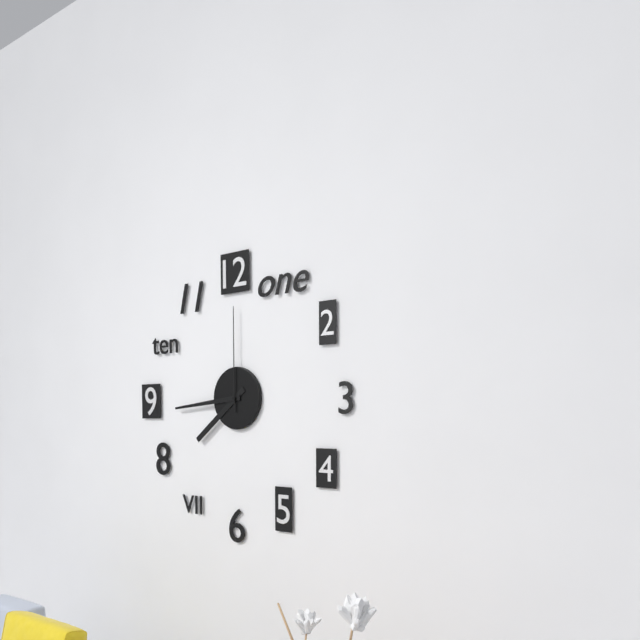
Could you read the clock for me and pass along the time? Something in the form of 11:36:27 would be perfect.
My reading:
7:44:00
